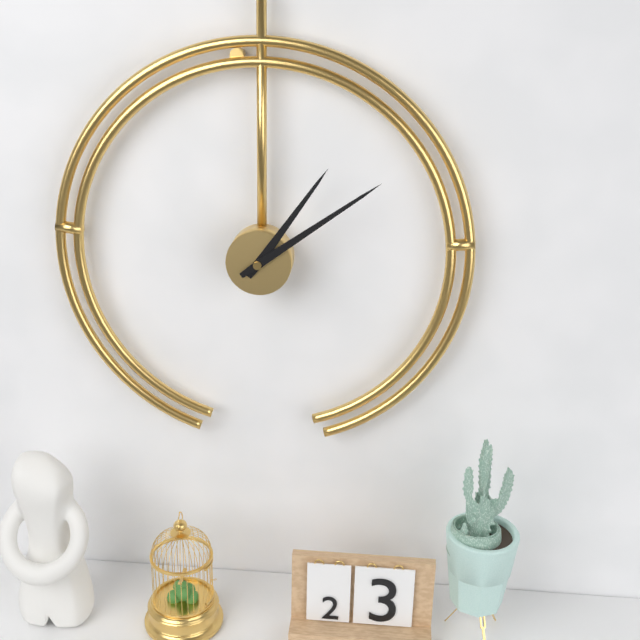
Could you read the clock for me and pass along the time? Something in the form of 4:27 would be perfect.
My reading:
1:09
